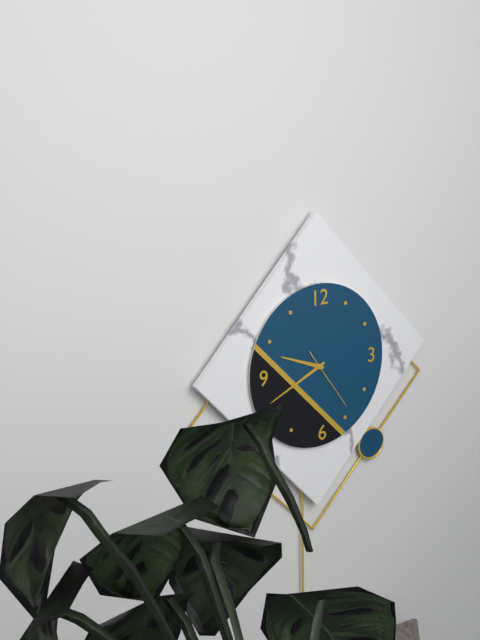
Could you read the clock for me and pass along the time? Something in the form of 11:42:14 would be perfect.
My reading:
9:41:24
